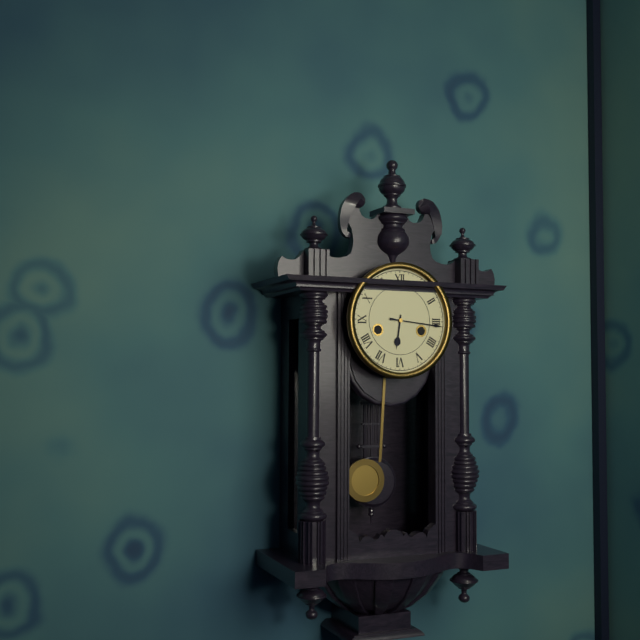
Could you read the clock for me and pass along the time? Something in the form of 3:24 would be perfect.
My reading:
6:16
